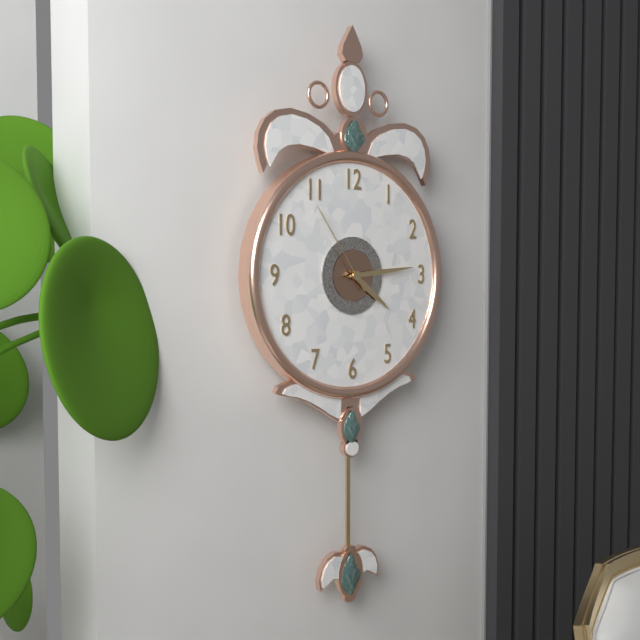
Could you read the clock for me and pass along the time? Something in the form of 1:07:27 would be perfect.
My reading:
4:14:54
